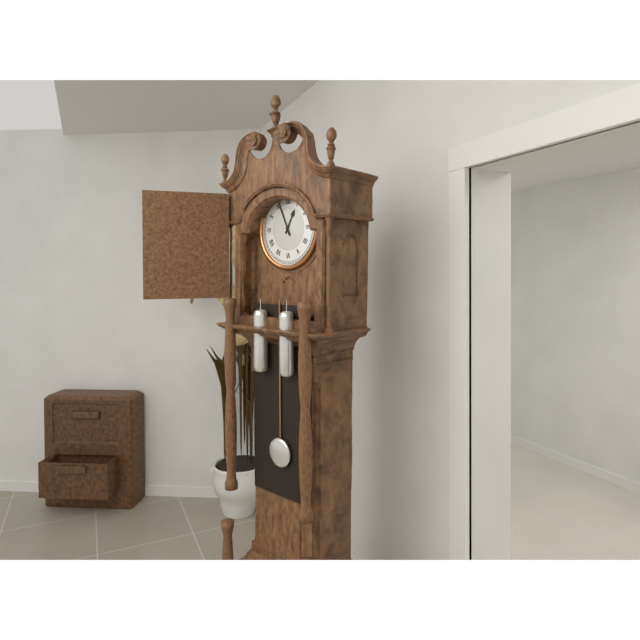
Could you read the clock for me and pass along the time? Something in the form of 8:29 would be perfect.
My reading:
12:56
